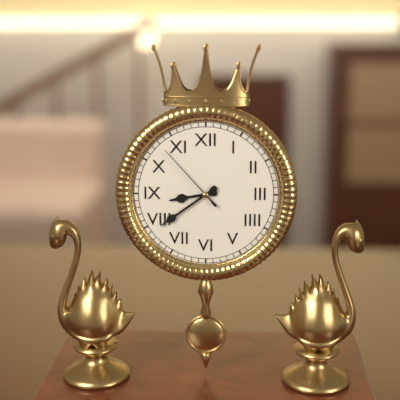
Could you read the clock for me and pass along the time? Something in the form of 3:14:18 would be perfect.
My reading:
8:39:53
